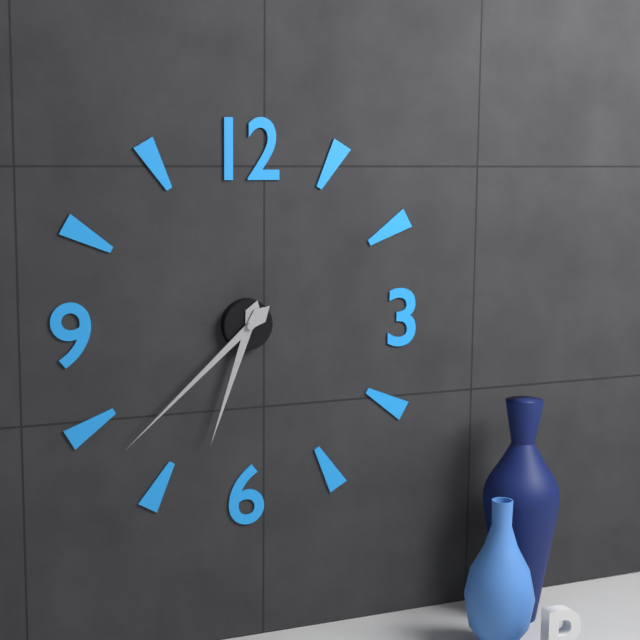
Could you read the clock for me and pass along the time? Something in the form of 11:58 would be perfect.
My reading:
6:38
